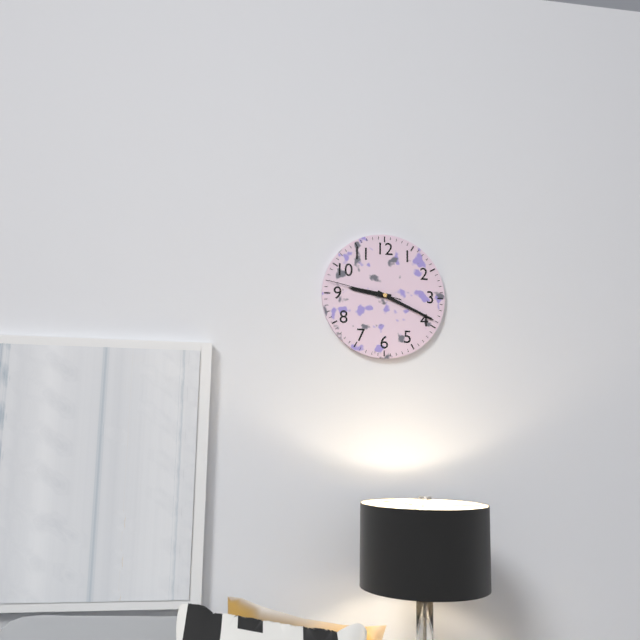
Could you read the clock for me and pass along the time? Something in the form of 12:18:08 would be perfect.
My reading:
9:19:47
